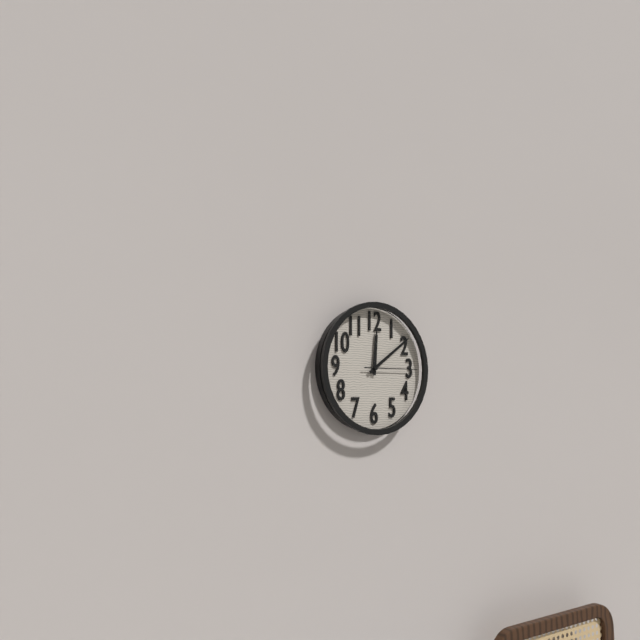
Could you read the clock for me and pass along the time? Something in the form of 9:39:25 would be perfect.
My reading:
12:09:15
